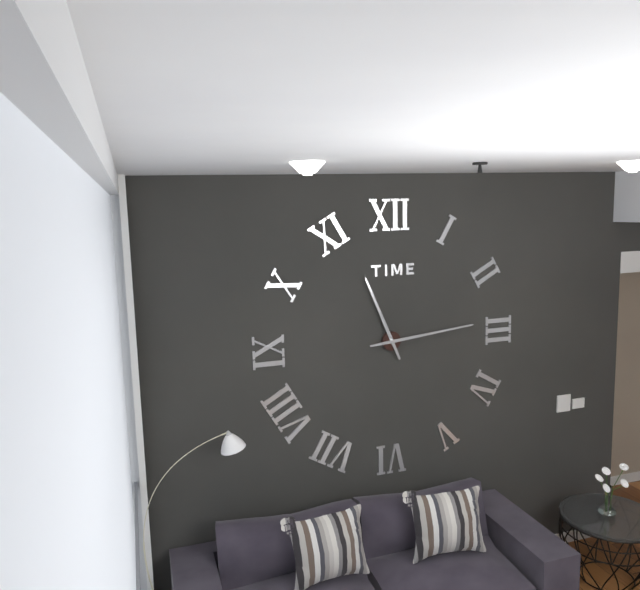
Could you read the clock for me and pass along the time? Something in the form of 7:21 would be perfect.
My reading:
11:14
